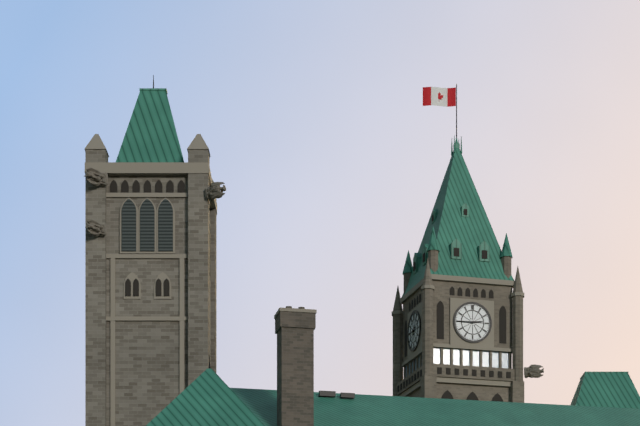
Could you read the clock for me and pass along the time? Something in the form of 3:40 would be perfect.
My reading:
2:45
